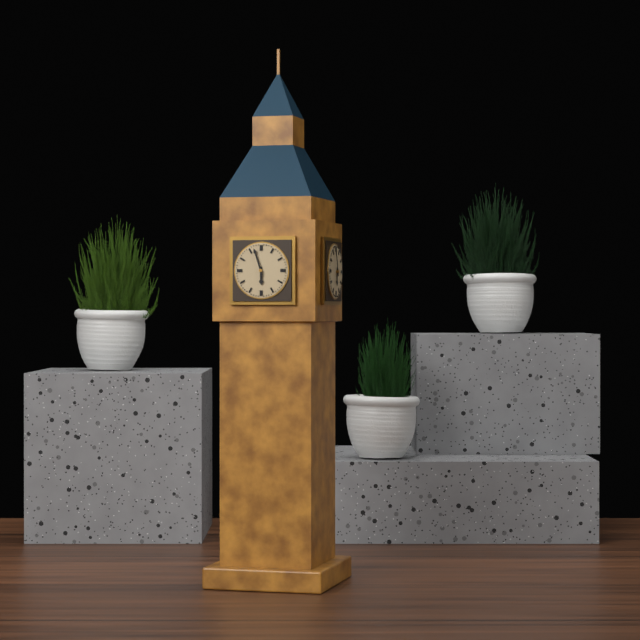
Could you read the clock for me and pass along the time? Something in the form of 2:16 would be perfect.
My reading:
5:57
